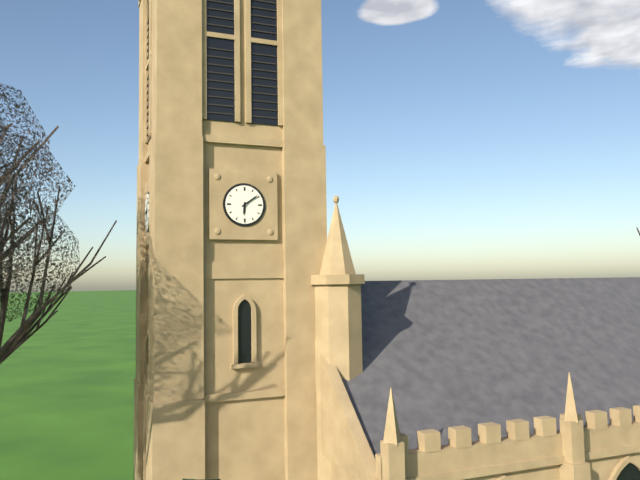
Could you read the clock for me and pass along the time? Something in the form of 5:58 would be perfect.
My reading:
6:09
